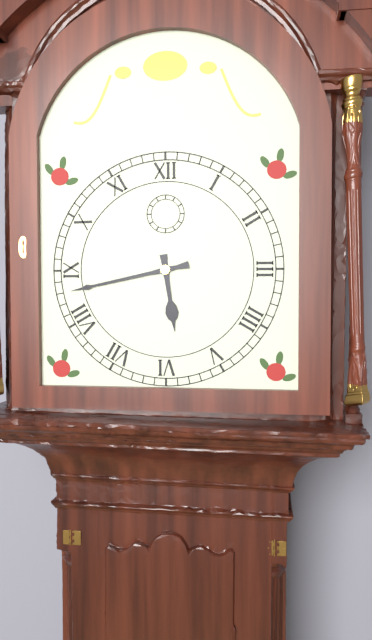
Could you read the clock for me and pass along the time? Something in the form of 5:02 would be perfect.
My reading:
5:43
